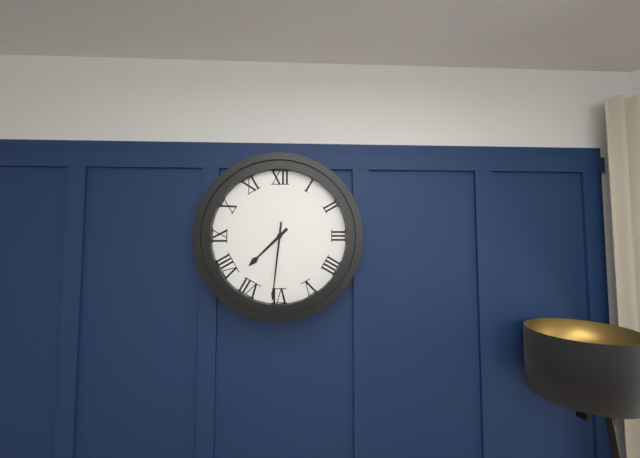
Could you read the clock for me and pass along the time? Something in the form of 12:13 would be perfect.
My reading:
7:31
